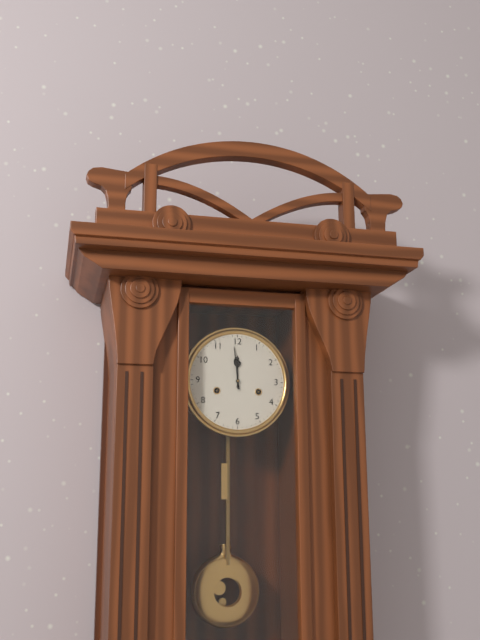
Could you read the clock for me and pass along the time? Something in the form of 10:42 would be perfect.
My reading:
11:59
